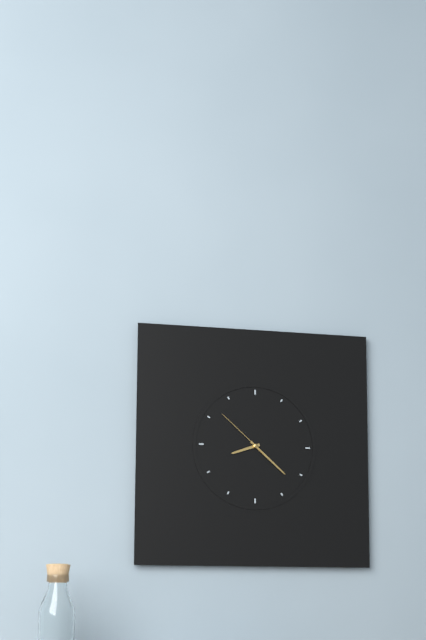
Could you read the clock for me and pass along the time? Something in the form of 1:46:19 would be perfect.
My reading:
8:22:52
